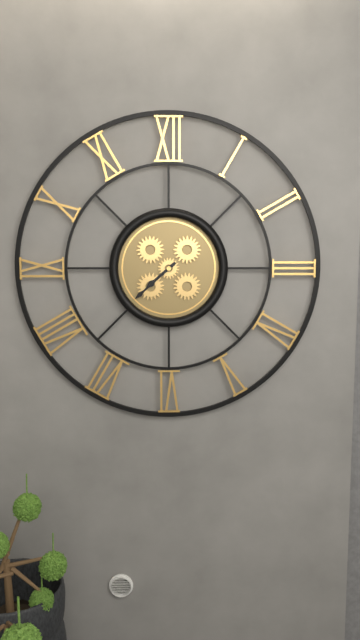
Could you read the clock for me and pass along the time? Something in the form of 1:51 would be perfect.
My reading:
7:38
